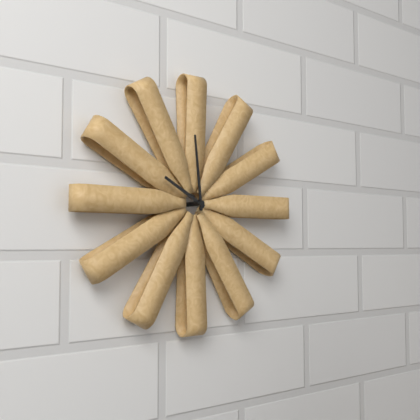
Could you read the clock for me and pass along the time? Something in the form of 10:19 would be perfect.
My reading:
9:59
